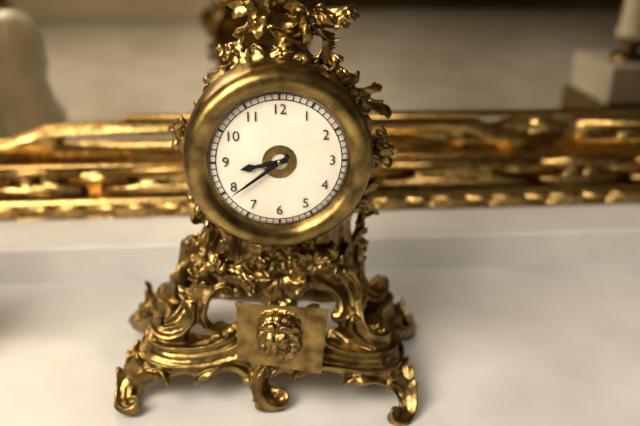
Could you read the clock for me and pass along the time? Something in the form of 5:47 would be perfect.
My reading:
8:39
